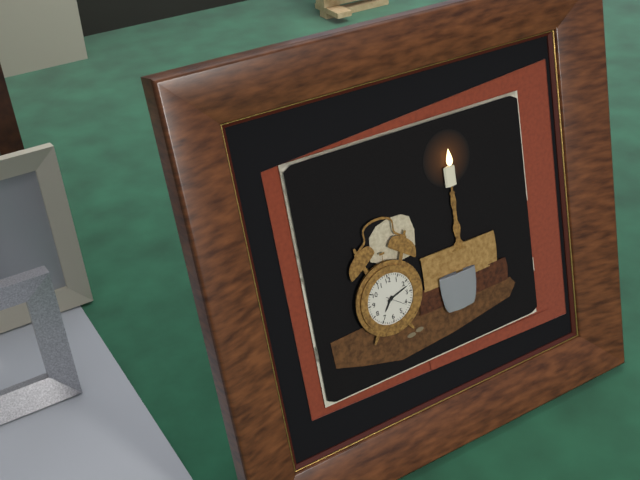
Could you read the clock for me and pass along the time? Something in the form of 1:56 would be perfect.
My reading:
7:12
